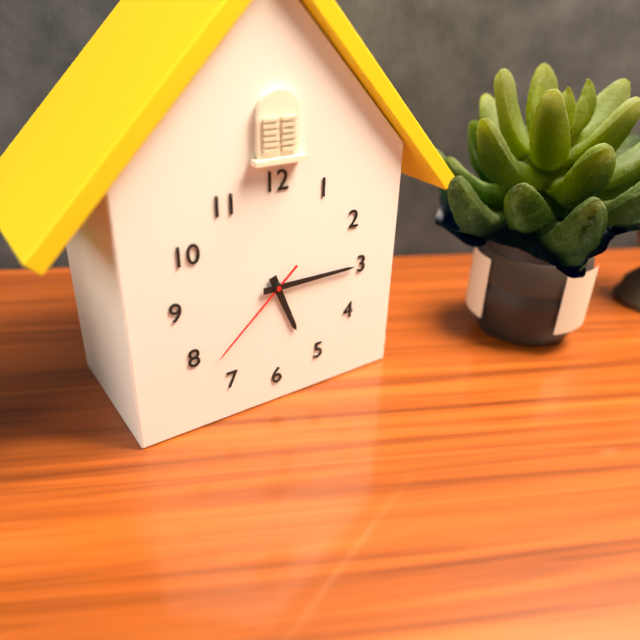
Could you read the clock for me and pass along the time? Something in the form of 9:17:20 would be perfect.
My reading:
5:15:38
